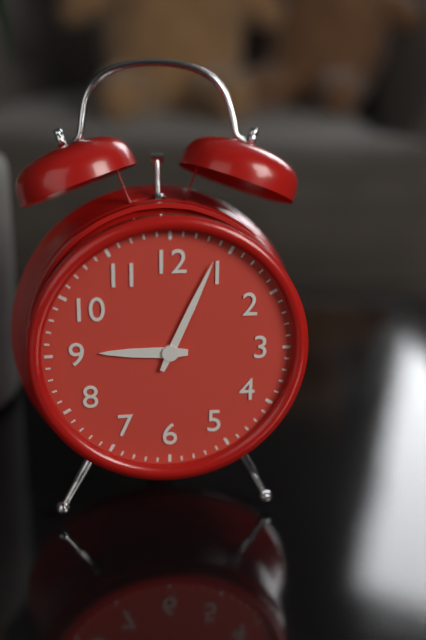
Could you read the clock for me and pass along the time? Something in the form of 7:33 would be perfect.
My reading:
9:04
